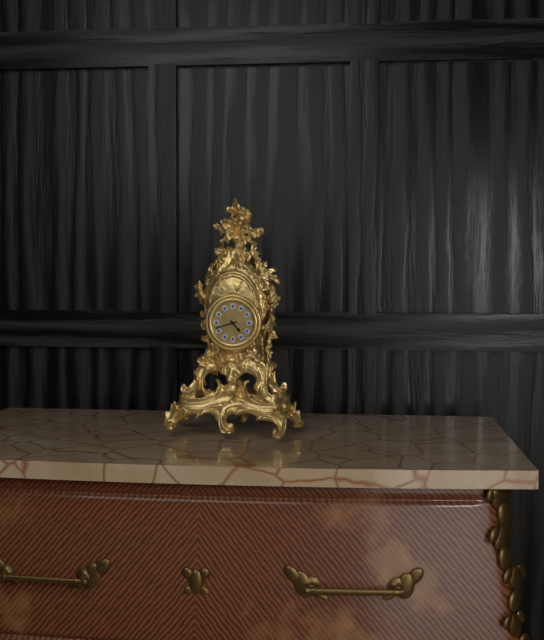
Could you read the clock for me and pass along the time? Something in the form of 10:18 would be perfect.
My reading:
4:42
